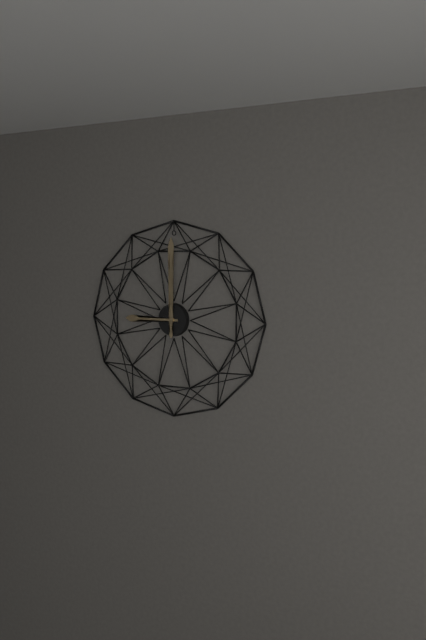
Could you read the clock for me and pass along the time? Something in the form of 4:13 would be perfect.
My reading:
9:00
